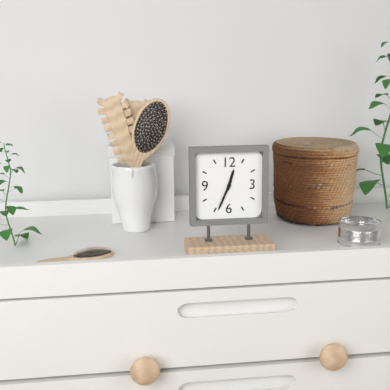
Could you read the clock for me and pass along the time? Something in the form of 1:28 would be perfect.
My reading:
12:34
